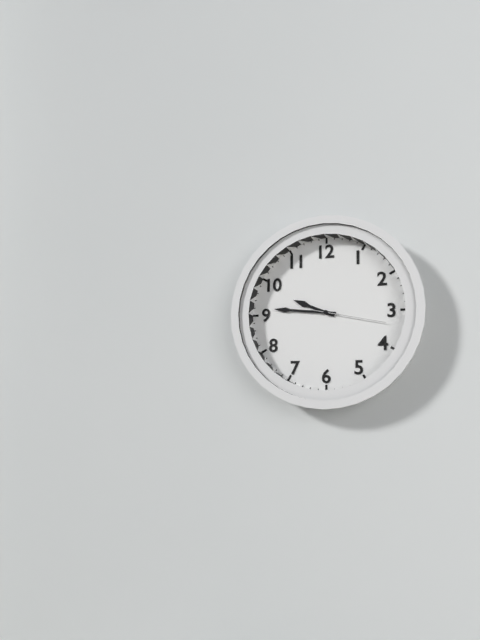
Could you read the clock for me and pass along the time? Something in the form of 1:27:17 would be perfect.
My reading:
9:46:17
